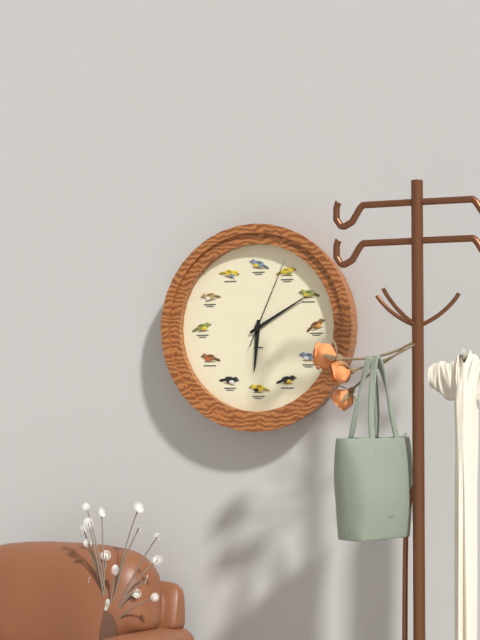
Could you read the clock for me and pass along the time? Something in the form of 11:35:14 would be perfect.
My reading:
6:10:04
